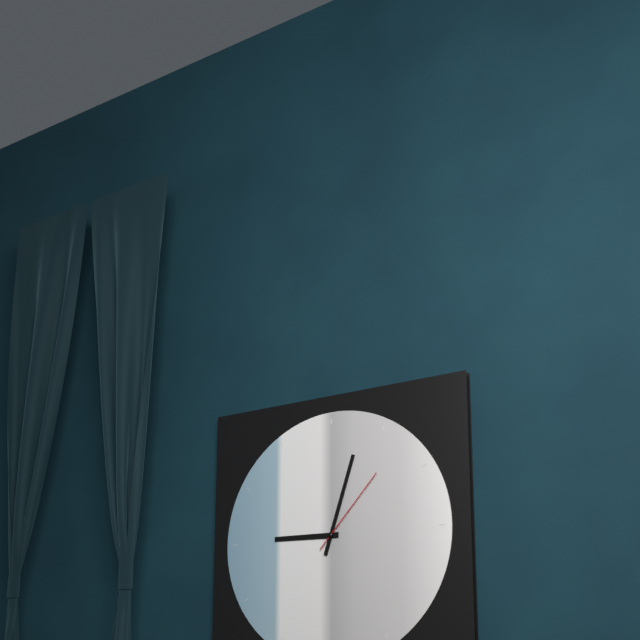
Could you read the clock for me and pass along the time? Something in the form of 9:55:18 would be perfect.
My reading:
9:03:07
